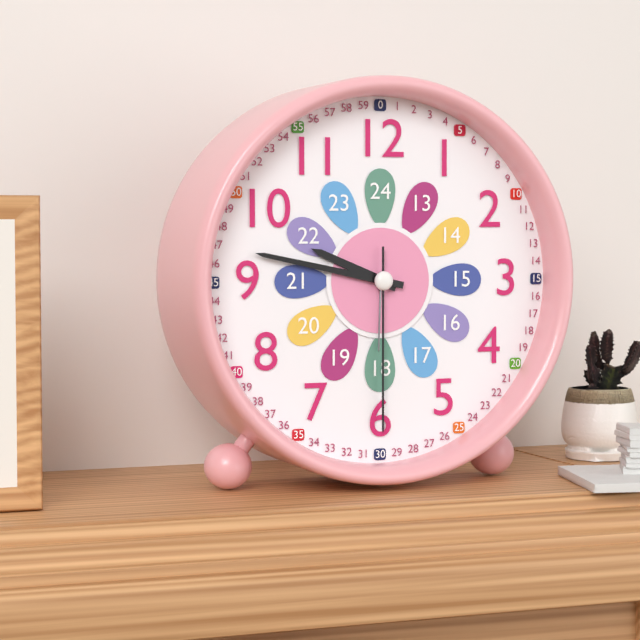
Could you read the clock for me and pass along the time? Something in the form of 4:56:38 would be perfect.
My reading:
9:47:30
